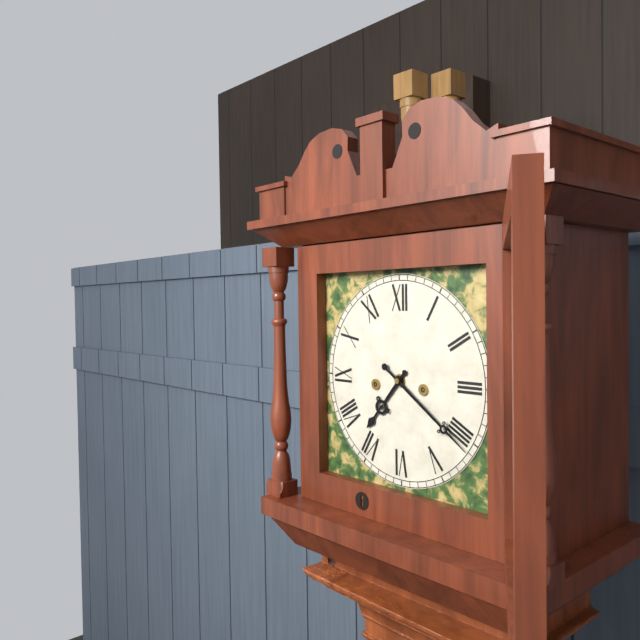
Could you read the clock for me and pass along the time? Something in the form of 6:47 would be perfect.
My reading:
7:21
